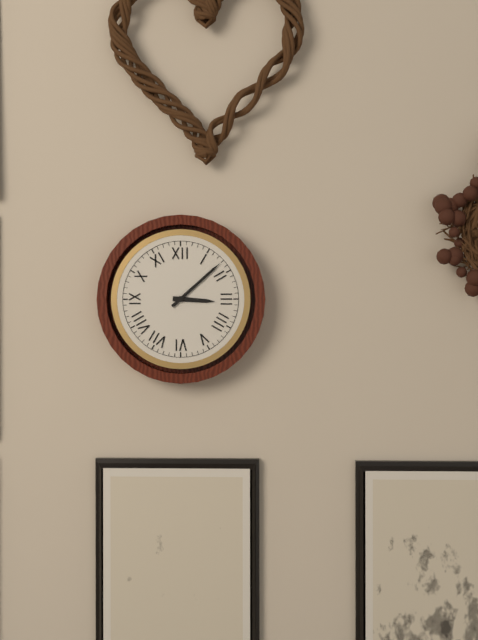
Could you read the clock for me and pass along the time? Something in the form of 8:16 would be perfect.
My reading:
3:08
